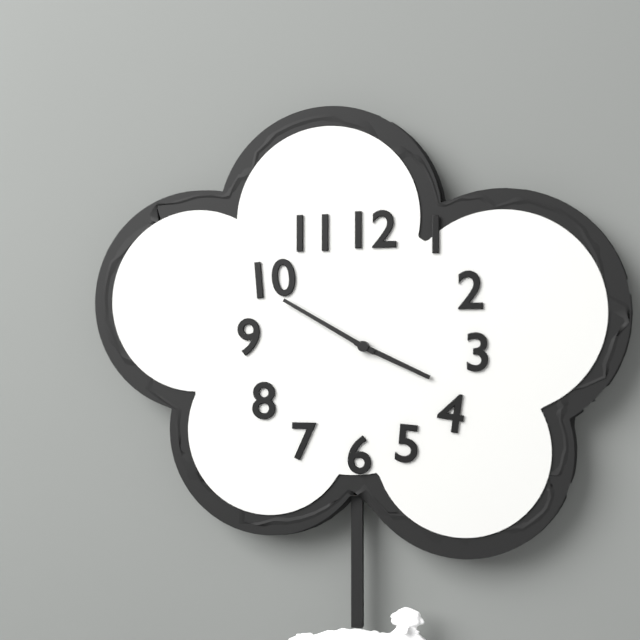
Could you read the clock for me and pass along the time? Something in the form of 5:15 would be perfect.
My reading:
3:50
